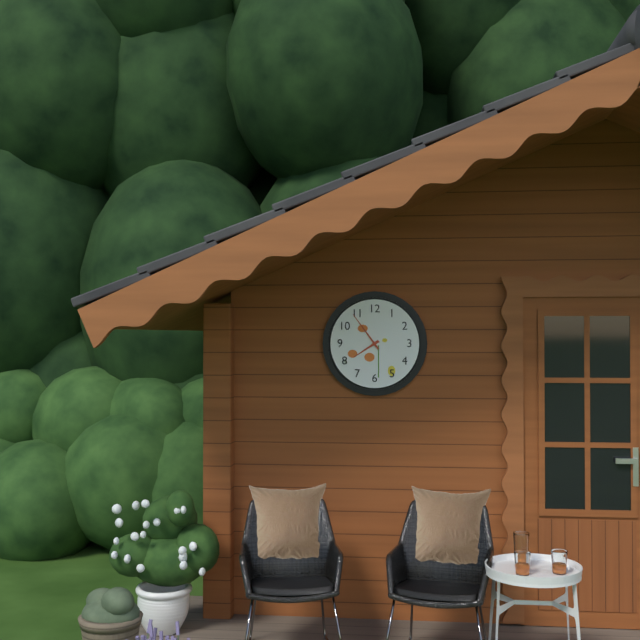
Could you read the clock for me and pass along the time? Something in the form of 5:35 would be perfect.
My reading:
7:54
